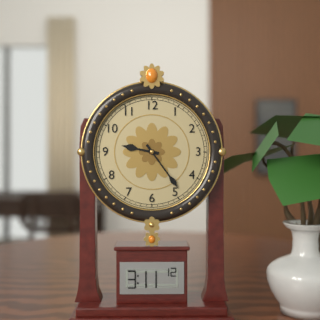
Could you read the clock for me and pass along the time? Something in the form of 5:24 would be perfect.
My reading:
9:24
